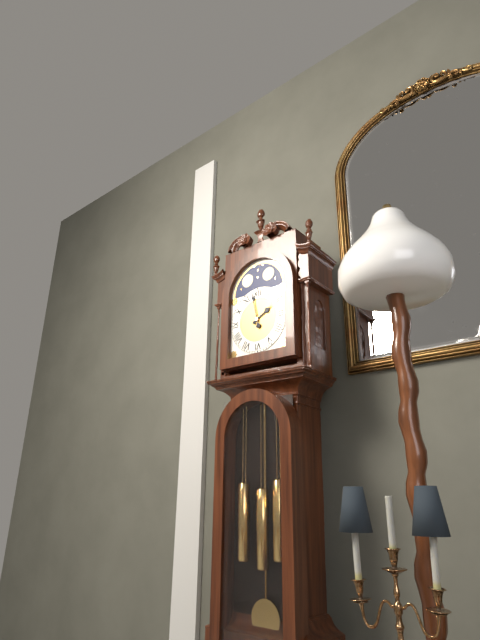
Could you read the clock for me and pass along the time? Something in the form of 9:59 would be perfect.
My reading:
1:58
